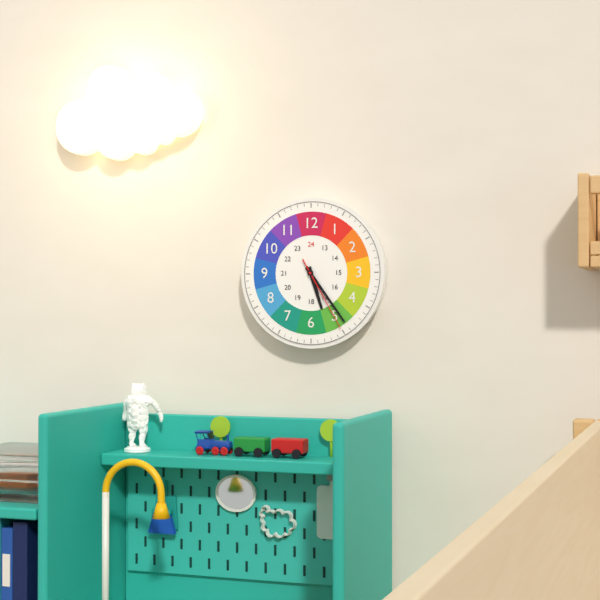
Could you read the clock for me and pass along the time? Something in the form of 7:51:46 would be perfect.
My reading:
5:24:25
